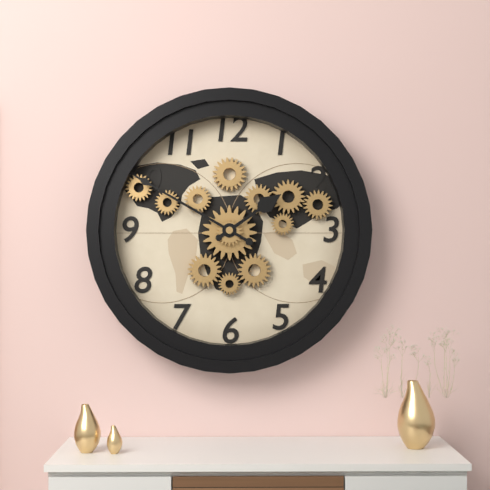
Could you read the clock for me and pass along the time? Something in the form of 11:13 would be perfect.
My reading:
1:50
